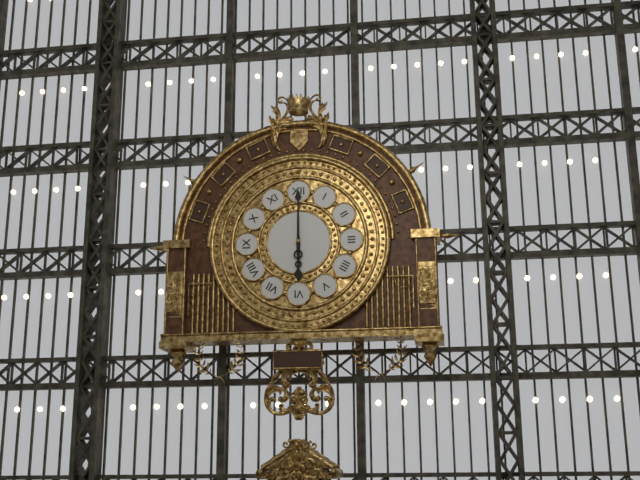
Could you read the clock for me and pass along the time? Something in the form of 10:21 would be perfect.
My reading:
6:00
